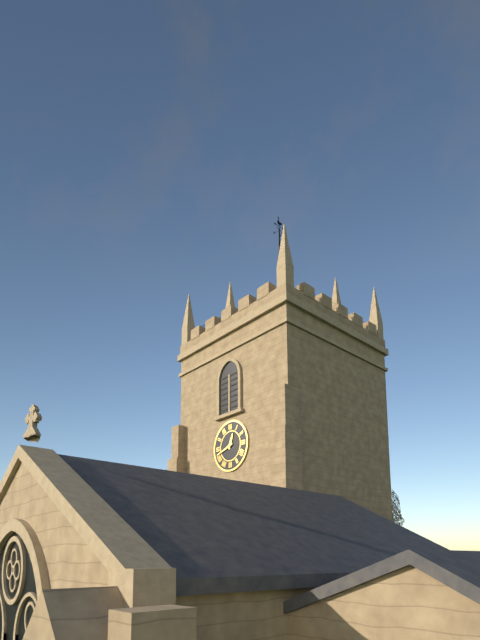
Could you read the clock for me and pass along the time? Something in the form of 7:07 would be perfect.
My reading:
12:42
